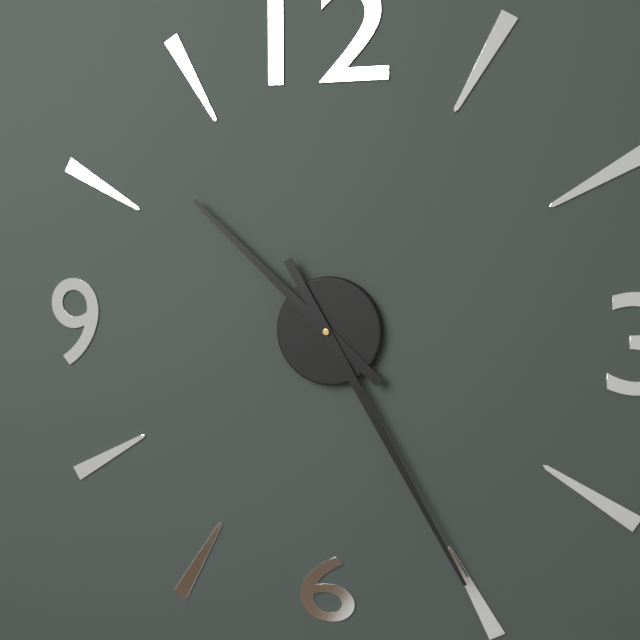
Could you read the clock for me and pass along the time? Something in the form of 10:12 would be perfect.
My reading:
10:25
